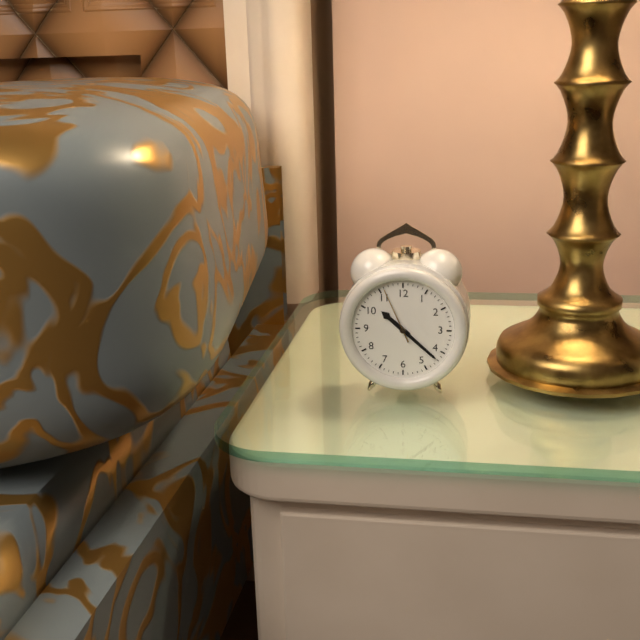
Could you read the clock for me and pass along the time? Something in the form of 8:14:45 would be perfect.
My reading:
10:22:56
